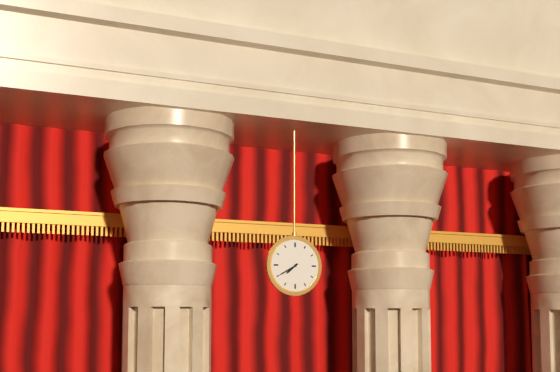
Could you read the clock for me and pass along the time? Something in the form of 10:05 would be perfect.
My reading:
7:40
